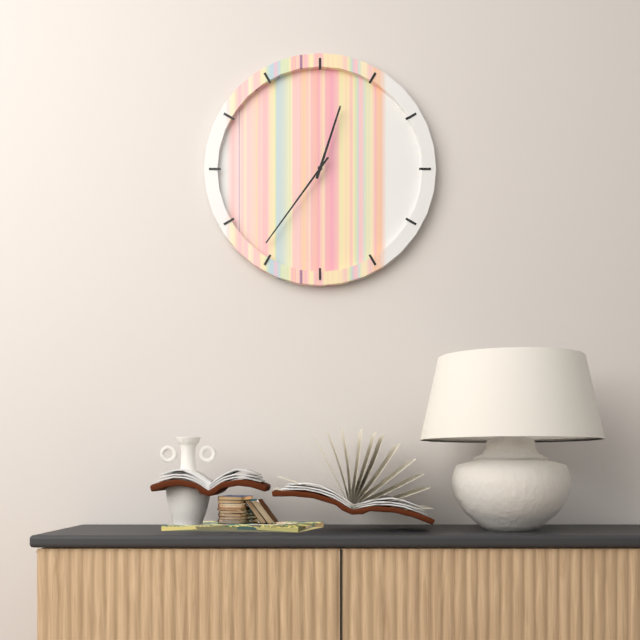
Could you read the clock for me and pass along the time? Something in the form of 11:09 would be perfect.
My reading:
12:36
